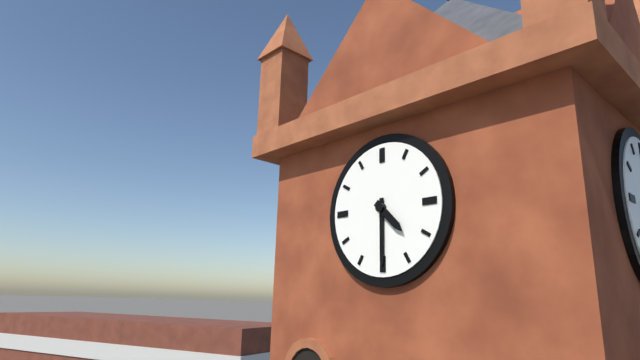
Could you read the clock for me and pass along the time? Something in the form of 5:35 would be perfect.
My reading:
4:30
